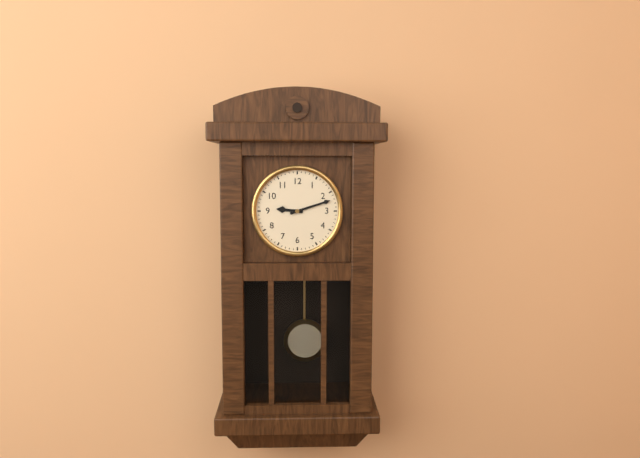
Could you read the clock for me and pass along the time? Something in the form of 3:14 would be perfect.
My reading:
9:12
